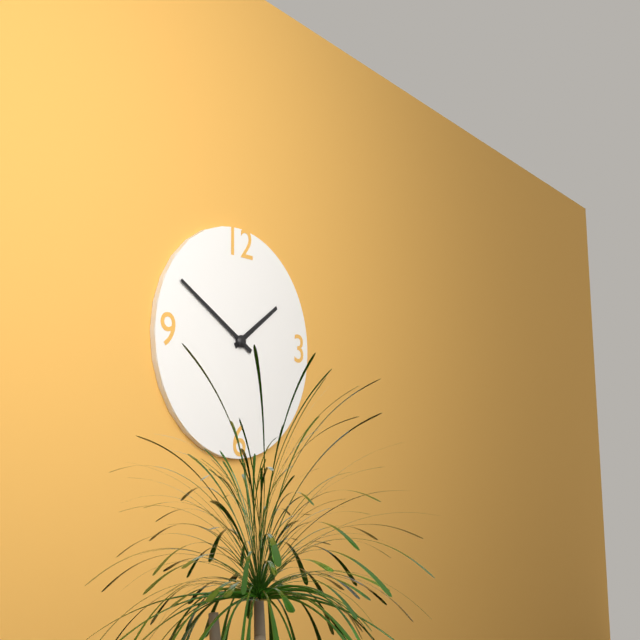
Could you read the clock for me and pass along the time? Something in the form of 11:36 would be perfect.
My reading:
1:50
